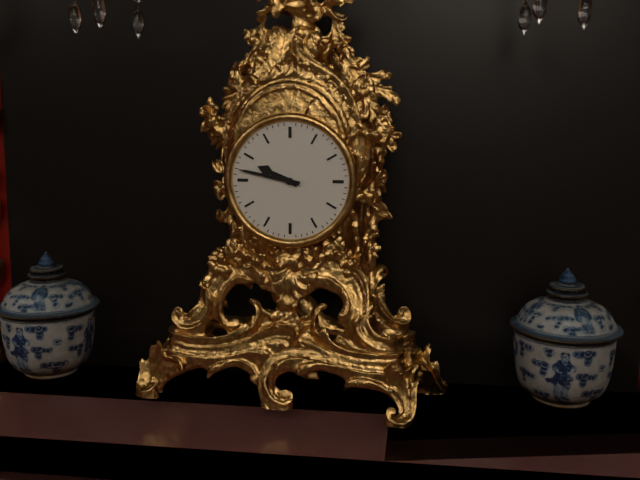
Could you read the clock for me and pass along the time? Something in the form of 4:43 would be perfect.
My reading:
9:47
